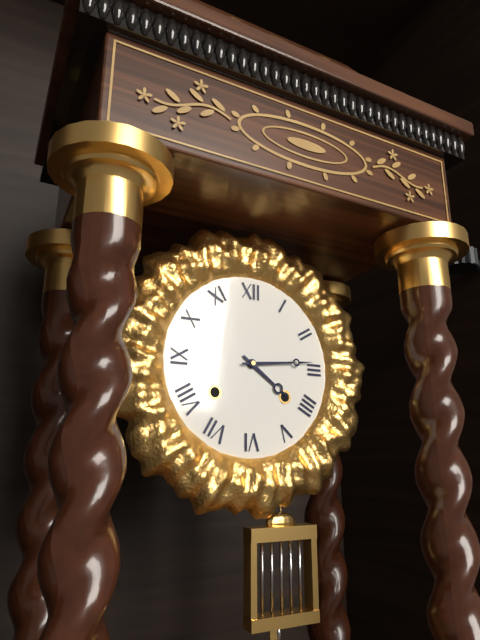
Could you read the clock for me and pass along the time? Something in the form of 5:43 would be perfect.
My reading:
4:14
